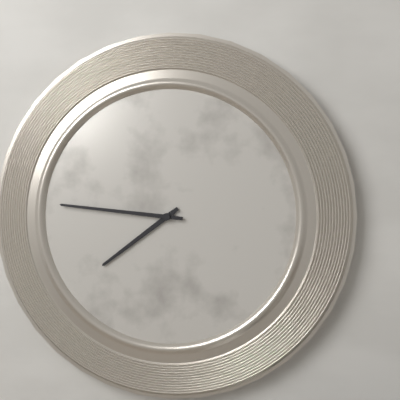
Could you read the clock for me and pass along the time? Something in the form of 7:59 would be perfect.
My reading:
7:46
